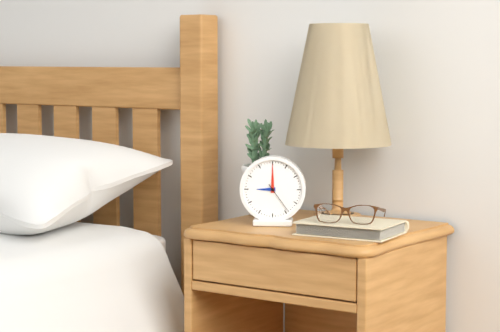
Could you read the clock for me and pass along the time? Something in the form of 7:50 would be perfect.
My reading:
9:00
